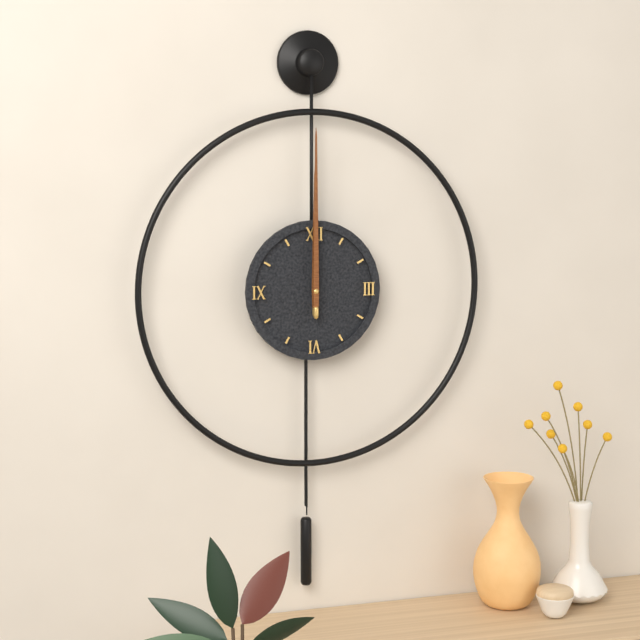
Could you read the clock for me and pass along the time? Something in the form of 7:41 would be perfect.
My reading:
12:00
